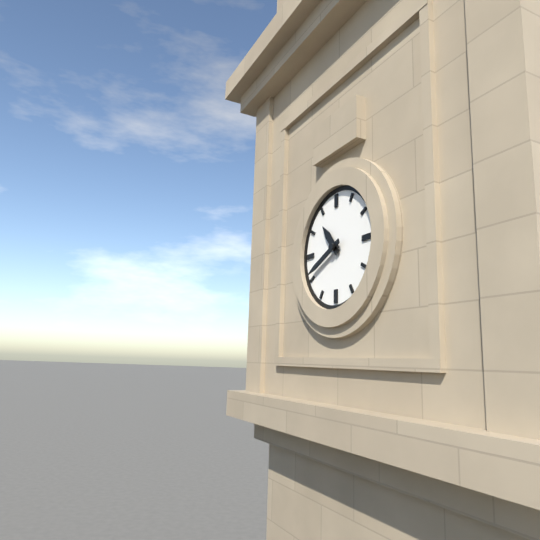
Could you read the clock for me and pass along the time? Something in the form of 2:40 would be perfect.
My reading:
10:41
